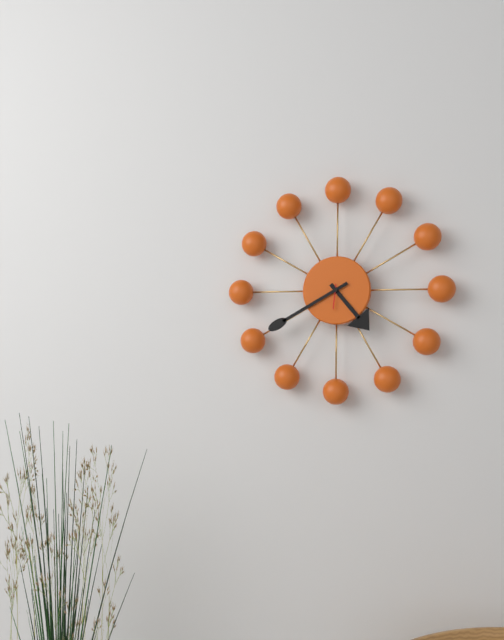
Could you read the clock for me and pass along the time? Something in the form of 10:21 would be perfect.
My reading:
4:40
